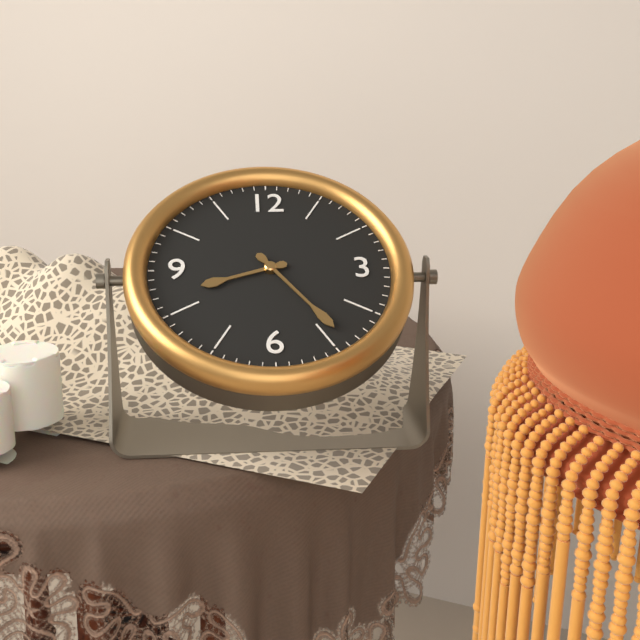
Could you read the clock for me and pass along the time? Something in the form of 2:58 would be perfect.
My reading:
8:24
